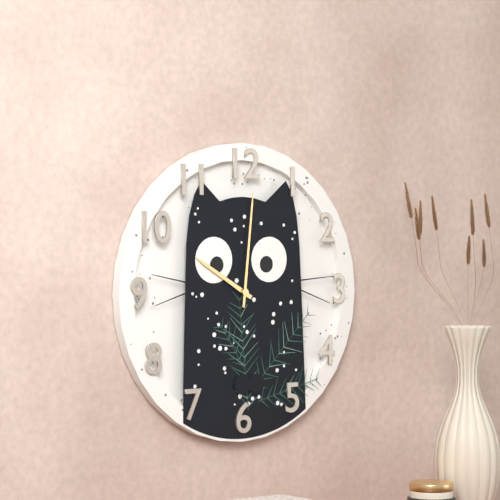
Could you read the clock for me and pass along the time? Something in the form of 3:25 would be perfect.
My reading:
10:01
